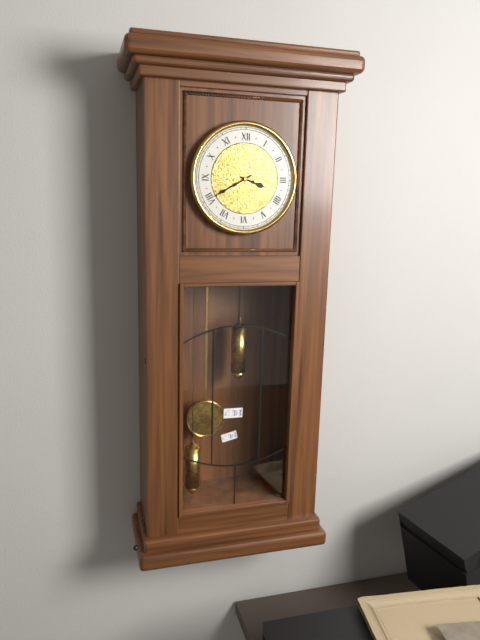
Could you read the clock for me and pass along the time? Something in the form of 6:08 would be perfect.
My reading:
3:40
